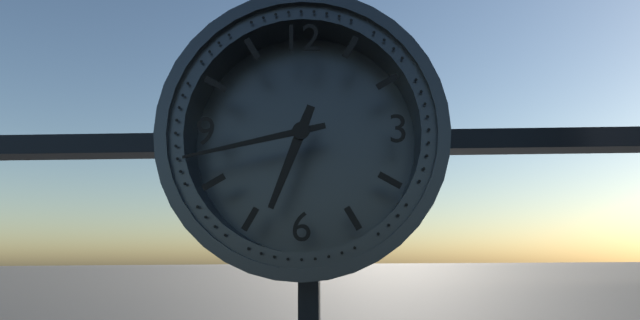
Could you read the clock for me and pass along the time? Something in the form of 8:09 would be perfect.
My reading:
6:43
